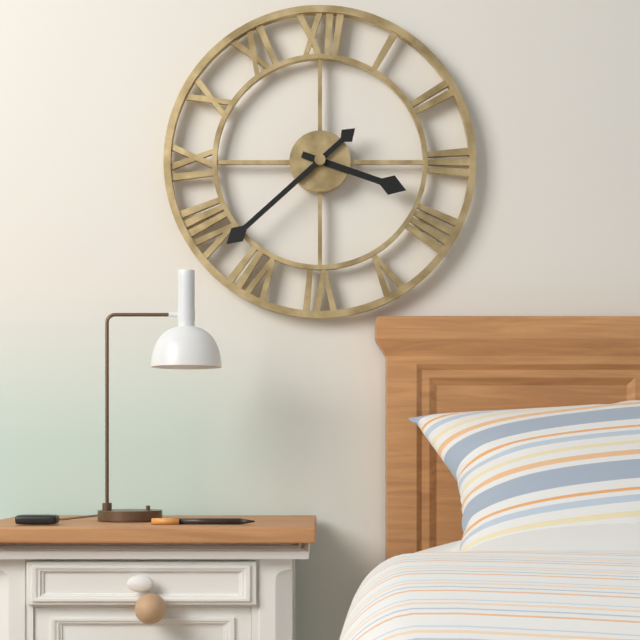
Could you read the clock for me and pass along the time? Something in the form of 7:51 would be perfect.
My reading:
3:38
